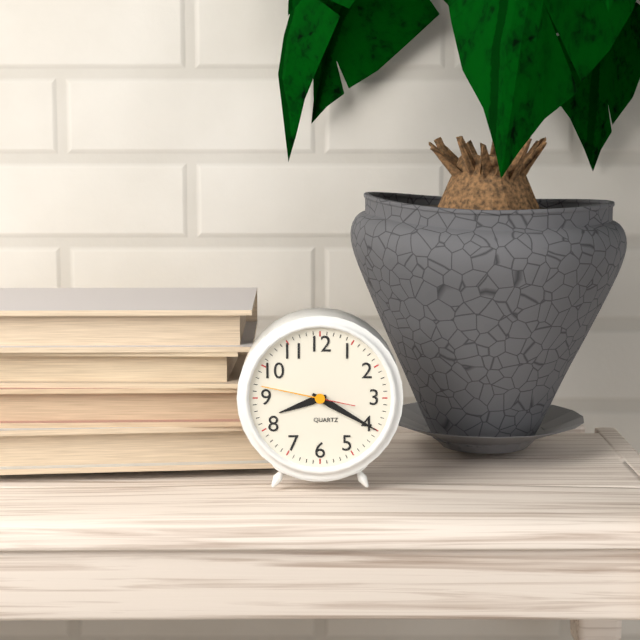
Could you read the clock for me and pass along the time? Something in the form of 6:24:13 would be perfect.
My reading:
8:20:47
